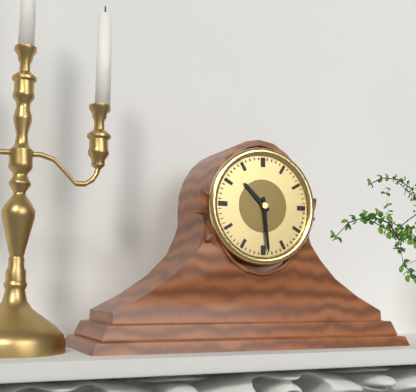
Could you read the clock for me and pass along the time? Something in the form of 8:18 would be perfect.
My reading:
10:29
